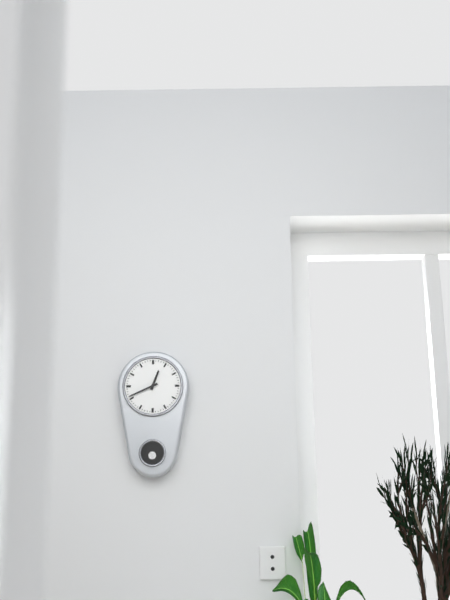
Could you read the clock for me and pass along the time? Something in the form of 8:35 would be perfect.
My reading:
12:41
